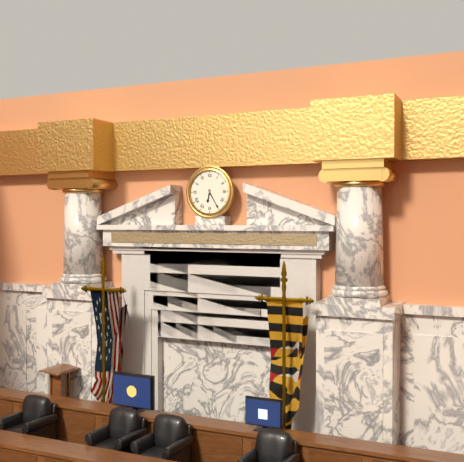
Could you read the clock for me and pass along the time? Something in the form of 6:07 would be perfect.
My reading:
6:25
